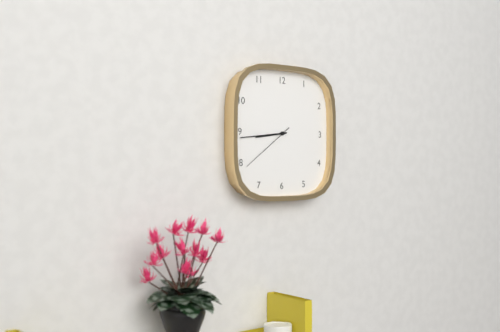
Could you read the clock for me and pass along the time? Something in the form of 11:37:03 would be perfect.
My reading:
8:44:39
